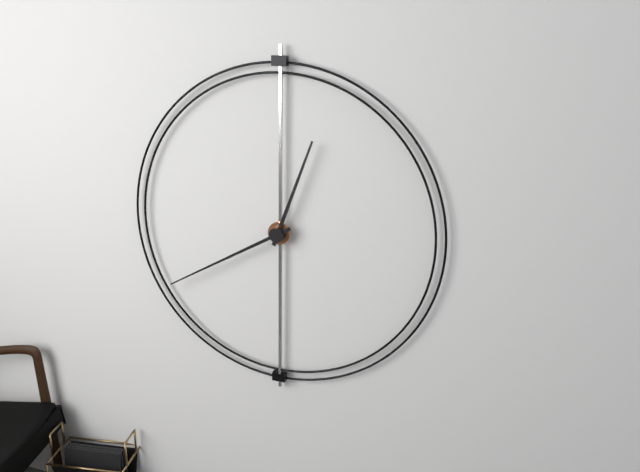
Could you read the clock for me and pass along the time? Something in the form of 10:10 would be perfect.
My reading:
12:40
